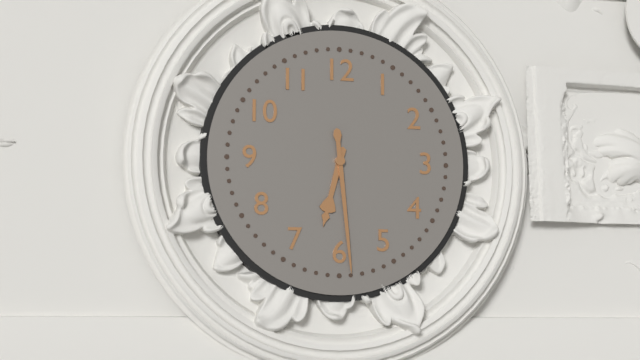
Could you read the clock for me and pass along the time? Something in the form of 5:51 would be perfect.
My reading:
6:29
